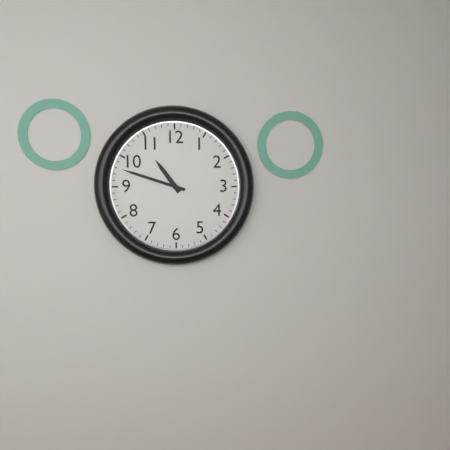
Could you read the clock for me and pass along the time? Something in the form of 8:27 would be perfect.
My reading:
10:48
